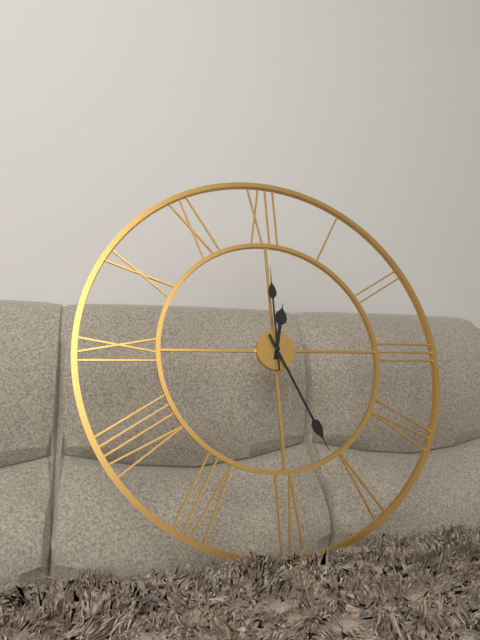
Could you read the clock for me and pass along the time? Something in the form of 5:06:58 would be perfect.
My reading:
12:26:00
